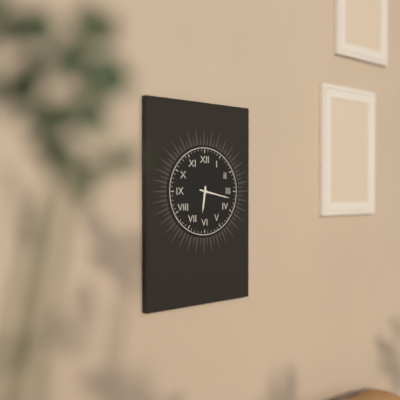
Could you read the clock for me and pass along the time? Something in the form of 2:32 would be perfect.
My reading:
6:17
